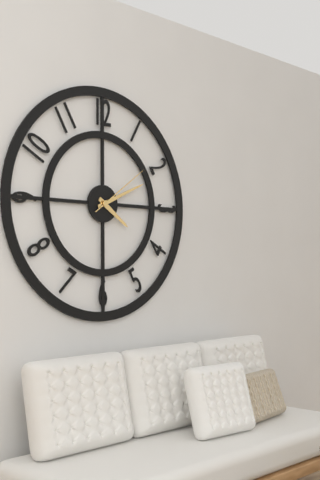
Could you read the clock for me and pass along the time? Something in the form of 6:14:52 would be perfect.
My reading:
4:11:09
